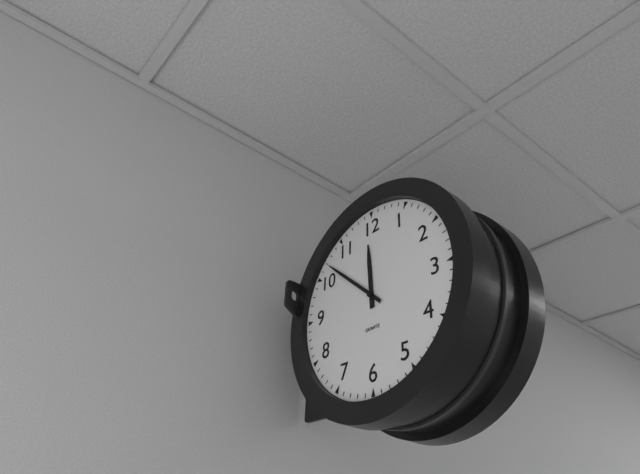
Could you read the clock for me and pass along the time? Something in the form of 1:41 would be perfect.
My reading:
11:52
